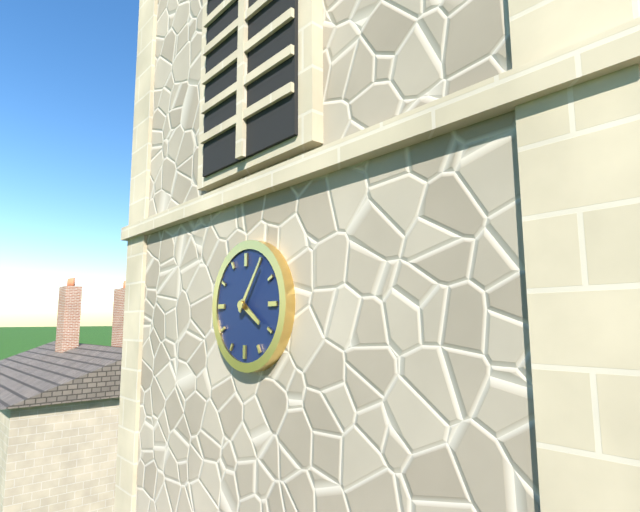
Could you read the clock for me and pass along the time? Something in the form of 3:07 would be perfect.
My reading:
4:06
